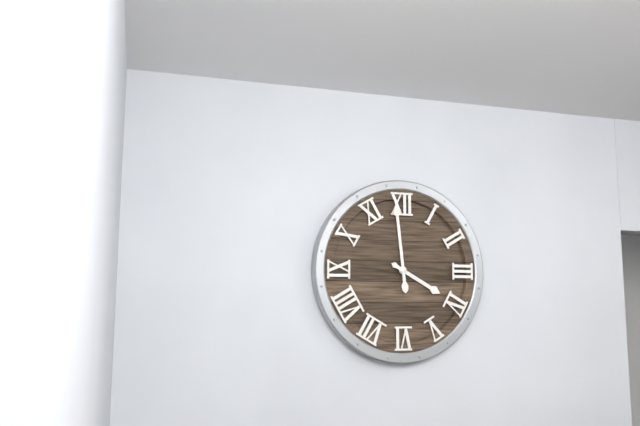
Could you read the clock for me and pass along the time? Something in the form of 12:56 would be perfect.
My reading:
3:59
